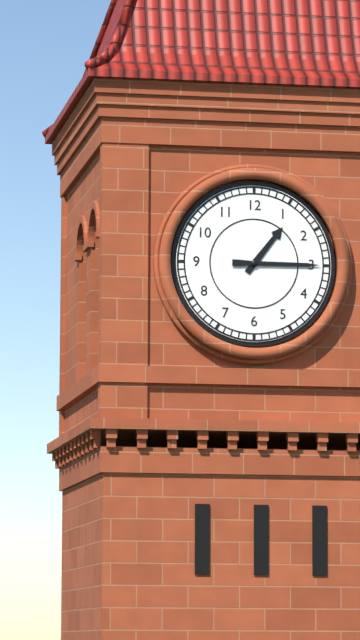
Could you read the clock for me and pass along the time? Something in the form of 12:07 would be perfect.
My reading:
1:15
